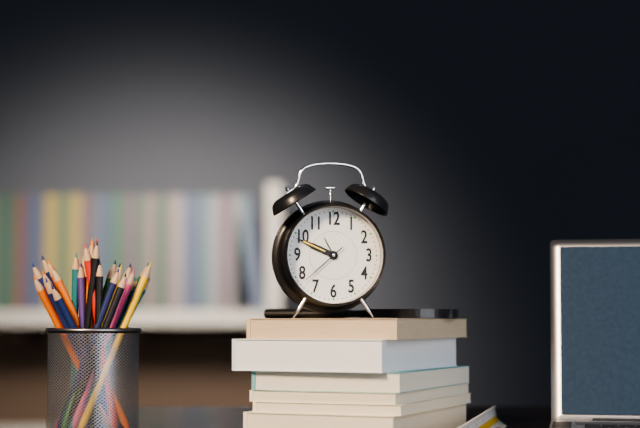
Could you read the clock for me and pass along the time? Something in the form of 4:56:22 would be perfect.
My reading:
9:49:38
